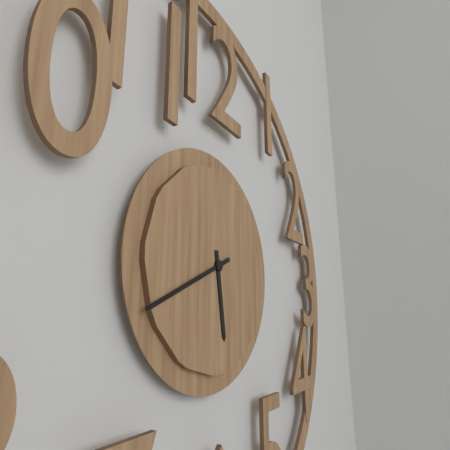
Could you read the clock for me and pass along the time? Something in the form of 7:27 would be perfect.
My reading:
5:41
